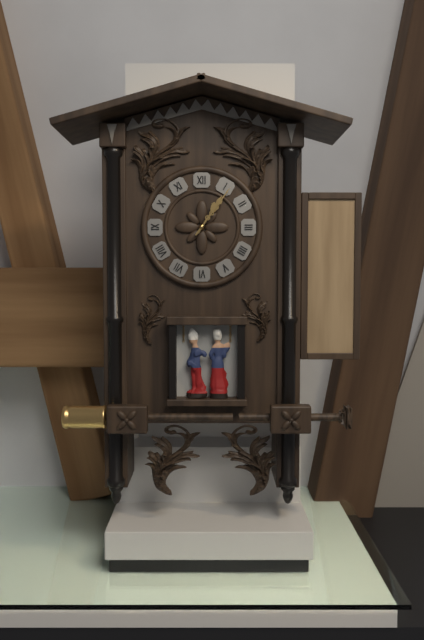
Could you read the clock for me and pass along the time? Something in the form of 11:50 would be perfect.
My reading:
1:06
